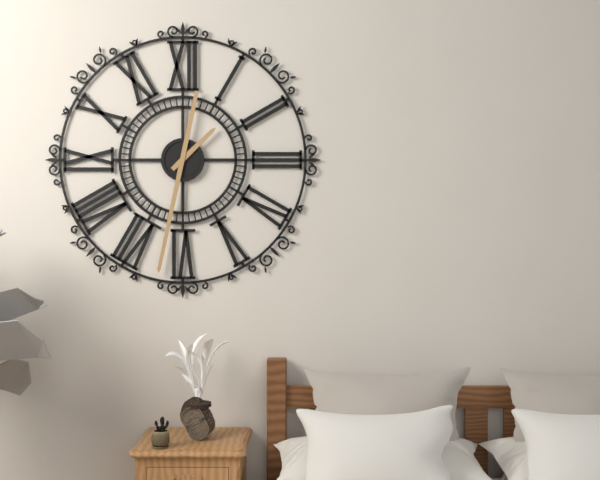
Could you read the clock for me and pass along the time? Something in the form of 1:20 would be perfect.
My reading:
1:32
